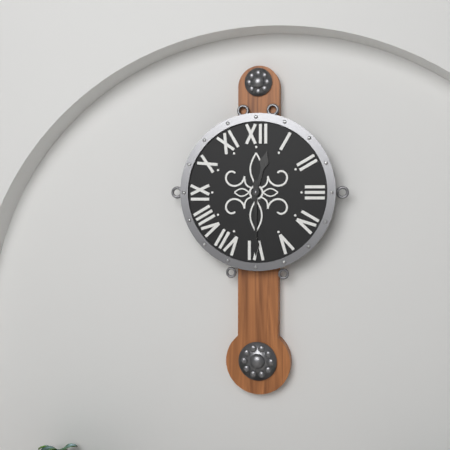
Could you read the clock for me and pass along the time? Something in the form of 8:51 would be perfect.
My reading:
12:30
